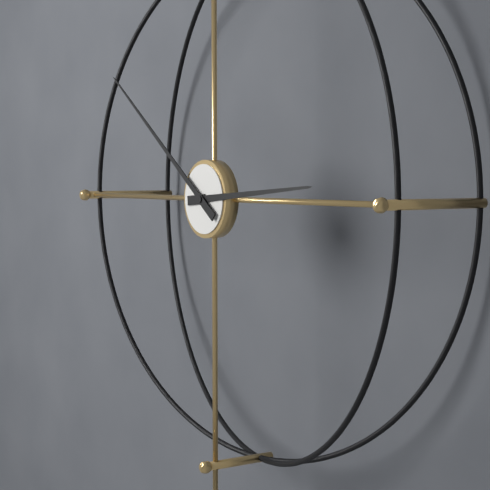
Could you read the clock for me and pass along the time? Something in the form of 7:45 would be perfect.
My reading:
2:51
